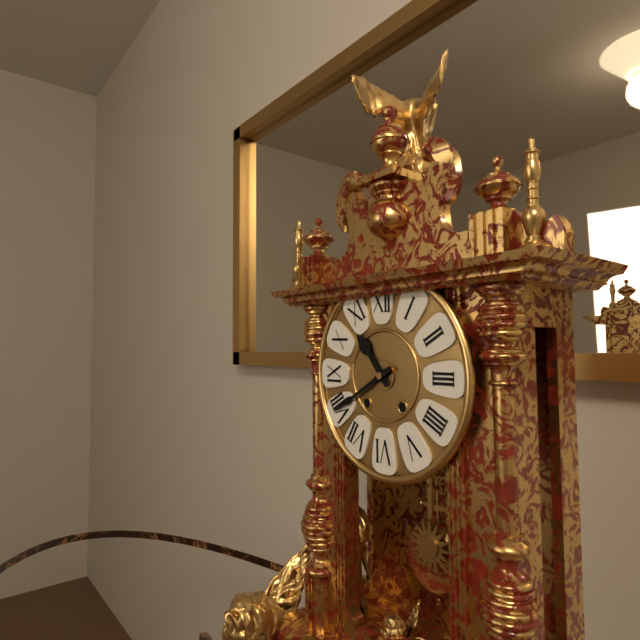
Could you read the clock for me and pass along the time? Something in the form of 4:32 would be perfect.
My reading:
10:40
